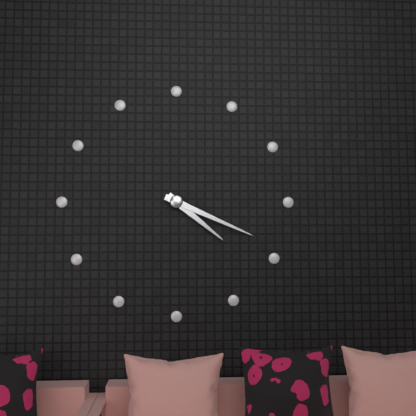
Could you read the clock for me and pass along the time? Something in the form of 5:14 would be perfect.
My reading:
4:19
